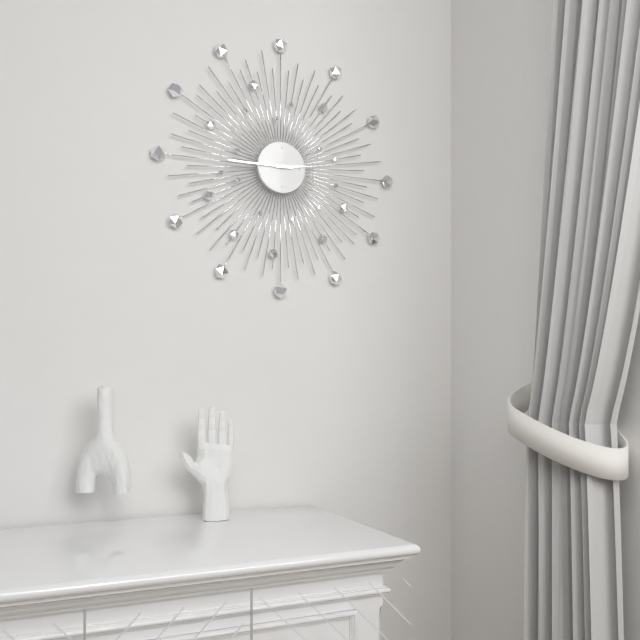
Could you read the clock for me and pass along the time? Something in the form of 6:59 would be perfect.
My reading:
2:45
